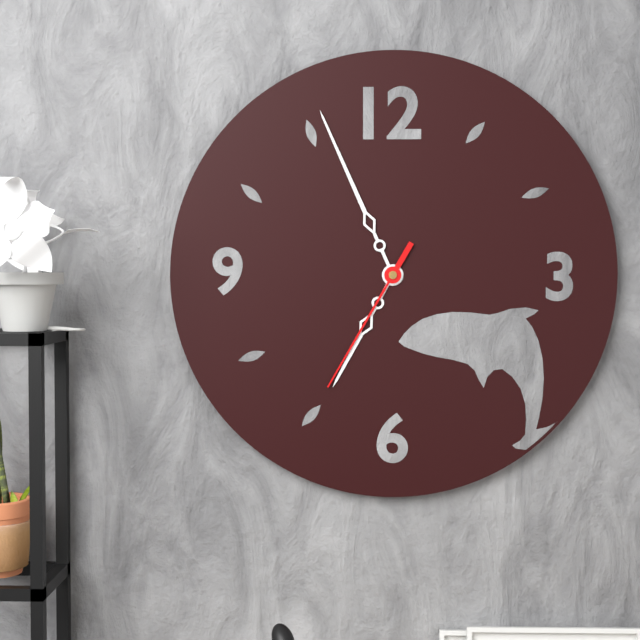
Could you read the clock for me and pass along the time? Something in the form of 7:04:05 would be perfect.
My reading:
6:56:35
